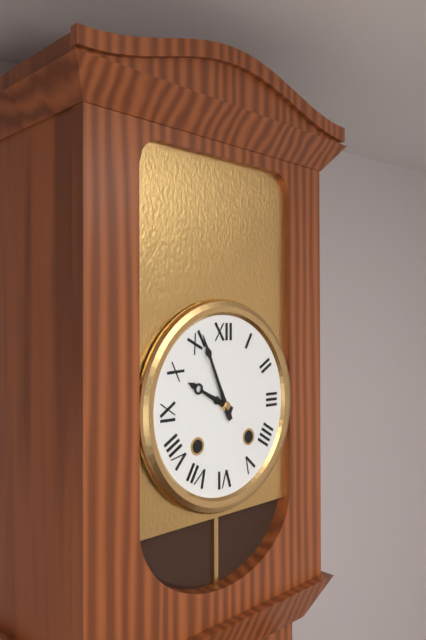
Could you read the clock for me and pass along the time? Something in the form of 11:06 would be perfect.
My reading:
9:56
